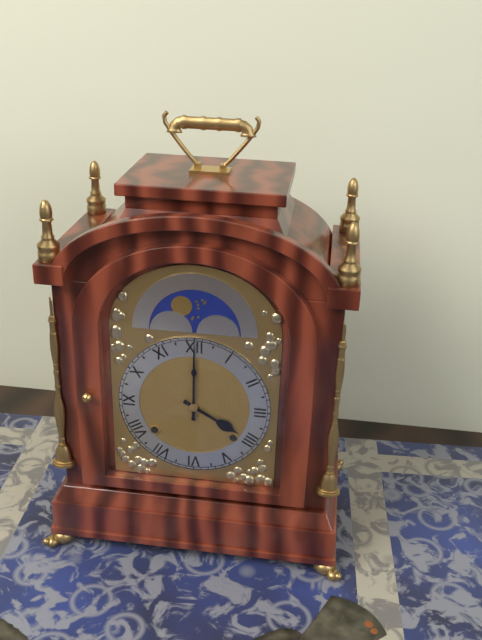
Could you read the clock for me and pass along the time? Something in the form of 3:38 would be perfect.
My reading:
4:00
